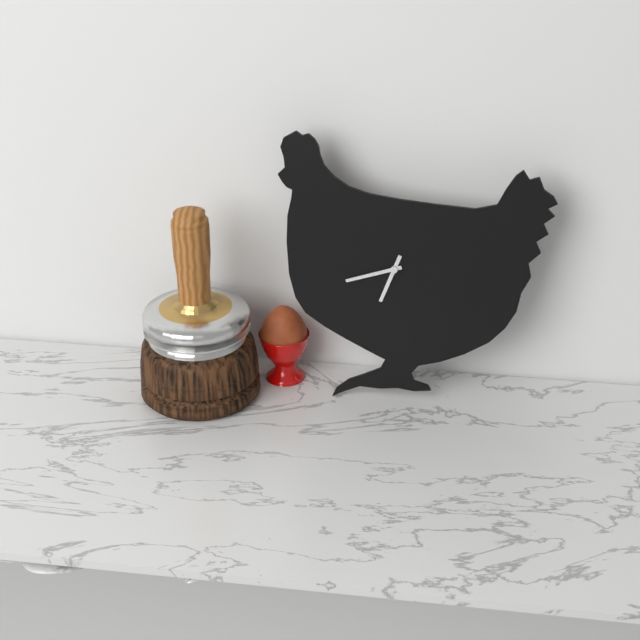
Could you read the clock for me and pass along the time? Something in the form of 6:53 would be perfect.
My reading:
6:42
